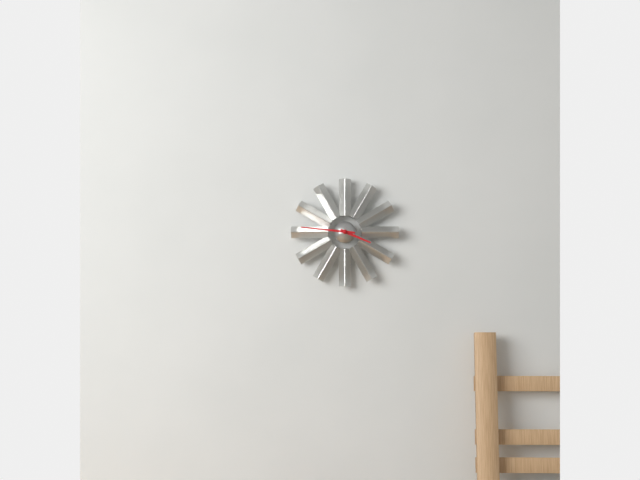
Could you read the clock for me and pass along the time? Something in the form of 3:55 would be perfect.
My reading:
3:46
